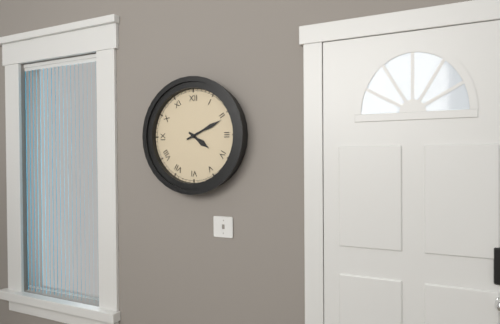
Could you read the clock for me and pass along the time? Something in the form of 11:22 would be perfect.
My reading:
4:11
